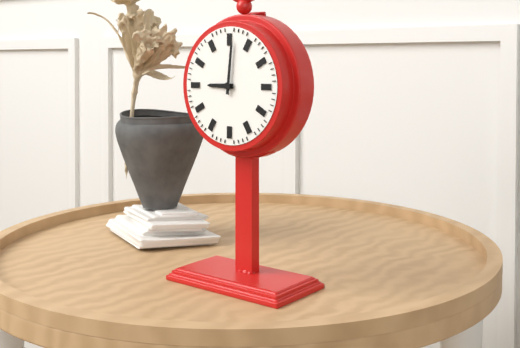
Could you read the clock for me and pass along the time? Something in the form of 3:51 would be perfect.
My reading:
9:01
